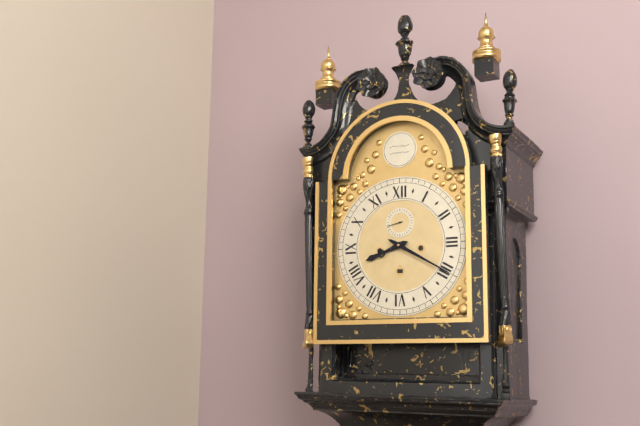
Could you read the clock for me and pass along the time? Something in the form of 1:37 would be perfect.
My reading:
8:20
